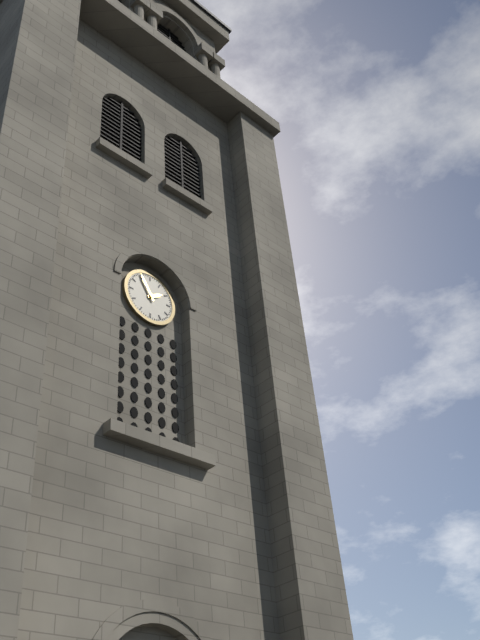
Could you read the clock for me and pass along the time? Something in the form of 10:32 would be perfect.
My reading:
1:55
